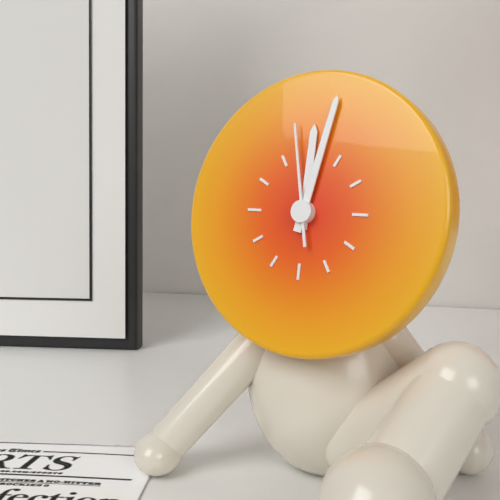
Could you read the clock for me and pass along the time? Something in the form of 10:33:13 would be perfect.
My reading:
12:02:58
